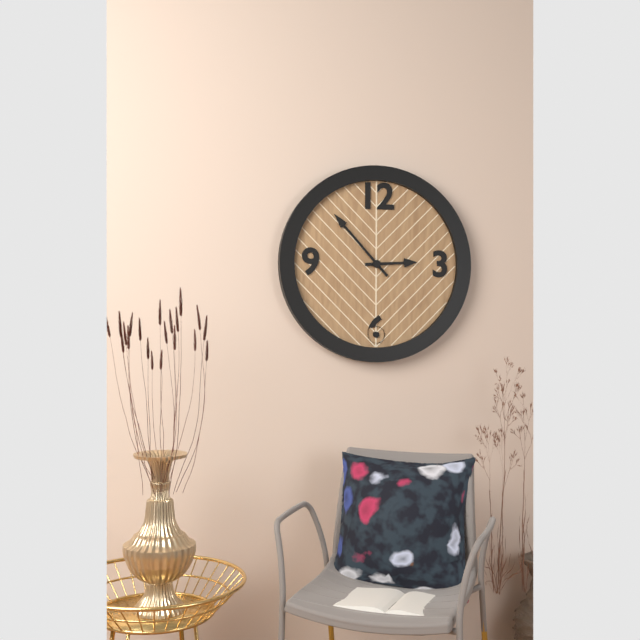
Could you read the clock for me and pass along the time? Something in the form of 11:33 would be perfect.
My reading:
2:53
